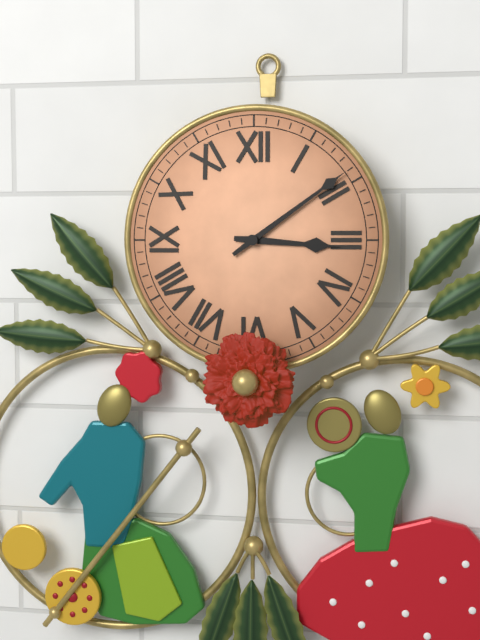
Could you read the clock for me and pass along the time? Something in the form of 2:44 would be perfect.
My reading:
3:09
